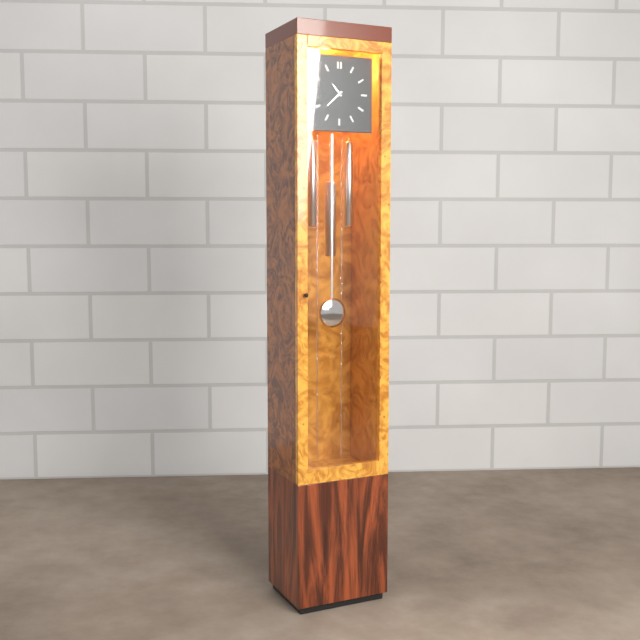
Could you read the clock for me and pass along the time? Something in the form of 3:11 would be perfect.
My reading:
10:38
